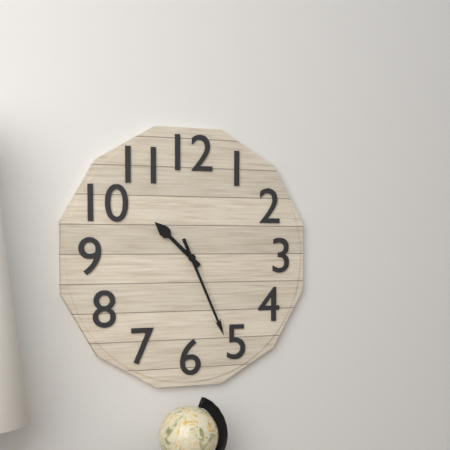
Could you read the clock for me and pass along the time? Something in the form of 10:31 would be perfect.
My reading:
10:26
